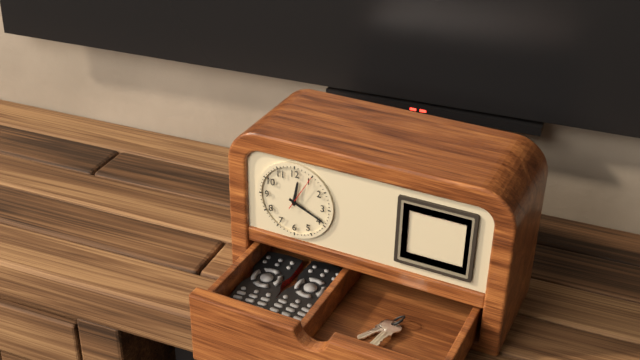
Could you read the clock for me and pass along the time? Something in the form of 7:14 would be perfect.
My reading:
12:19
